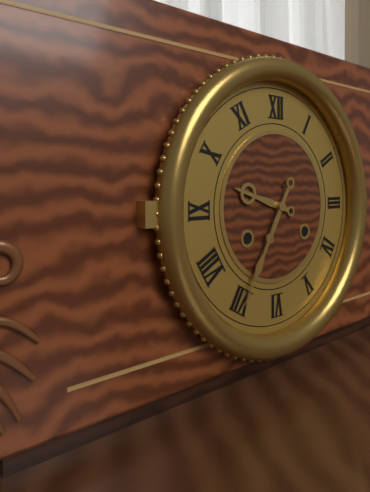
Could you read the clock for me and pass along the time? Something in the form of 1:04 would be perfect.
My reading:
9:35
